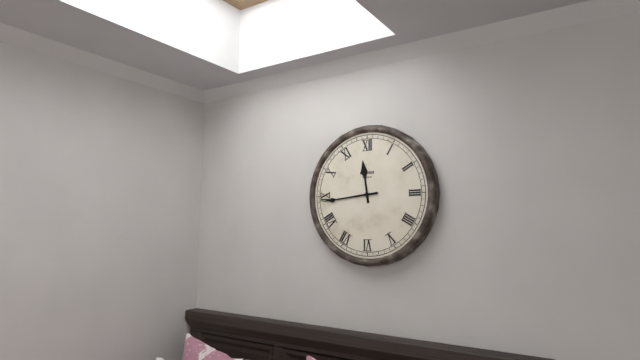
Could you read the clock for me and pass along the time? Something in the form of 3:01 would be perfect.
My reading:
11:44
